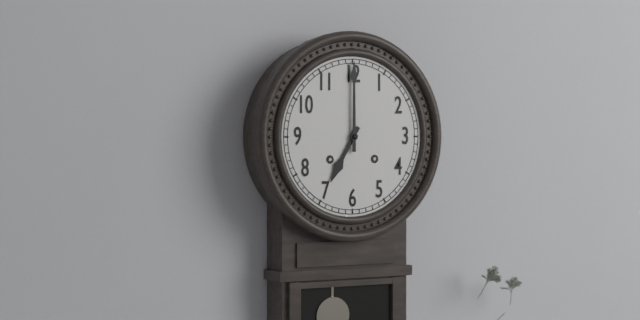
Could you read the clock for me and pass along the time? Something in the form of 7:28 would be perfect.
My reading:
7:00
